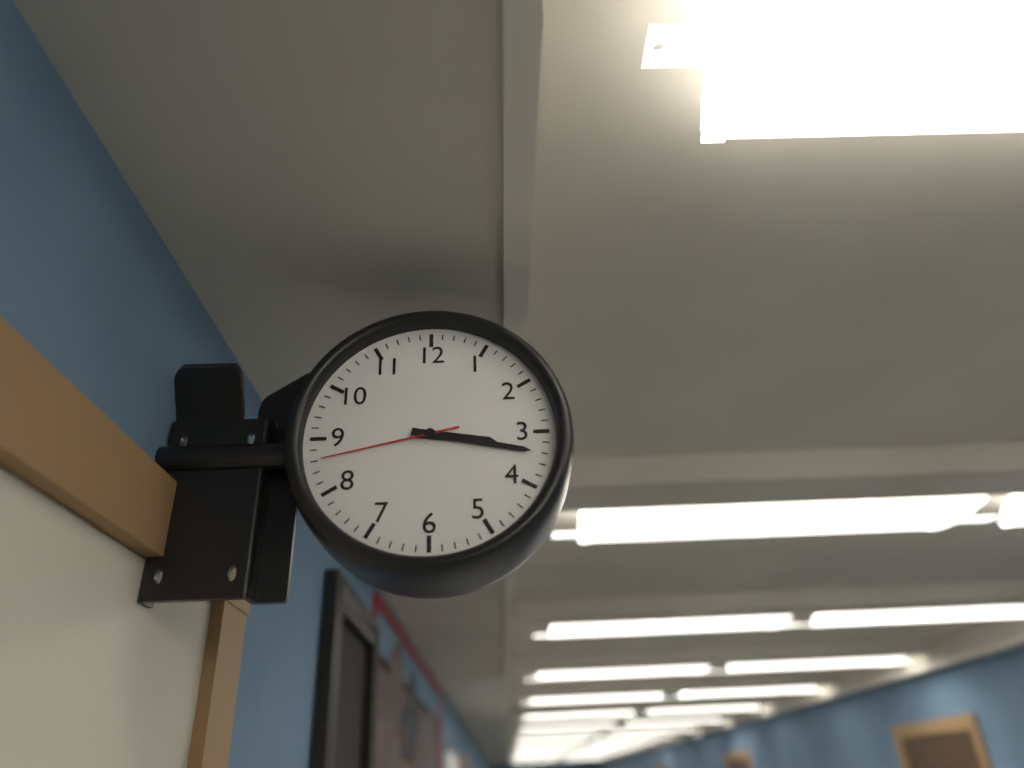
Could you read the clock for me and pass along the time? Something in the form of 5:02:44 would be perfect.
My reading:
3:17:43
